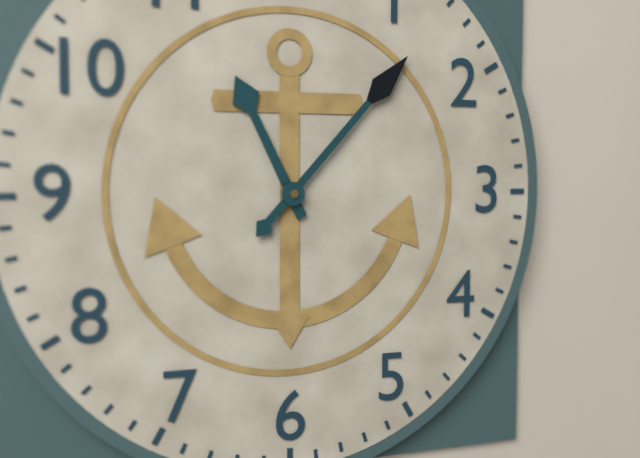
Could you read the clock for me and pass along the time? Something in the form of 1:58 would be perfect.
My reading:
11:07
